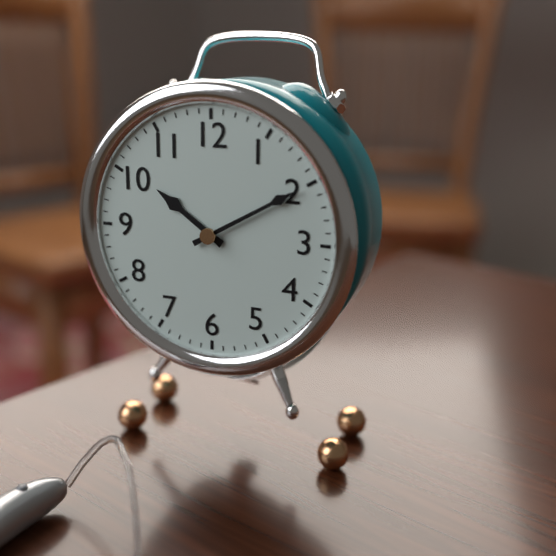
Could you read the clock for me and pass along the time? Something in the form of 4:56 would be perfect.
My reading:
10:10
